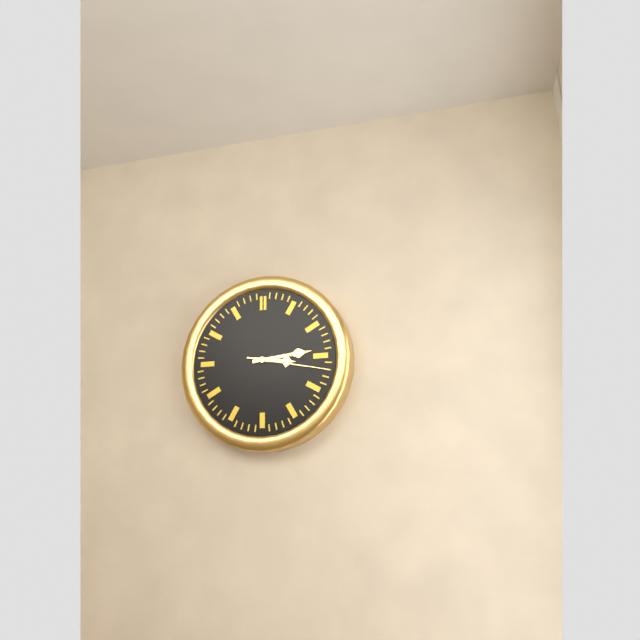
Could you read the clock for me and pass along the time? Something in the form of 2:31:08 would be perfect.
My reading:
3:14:17
